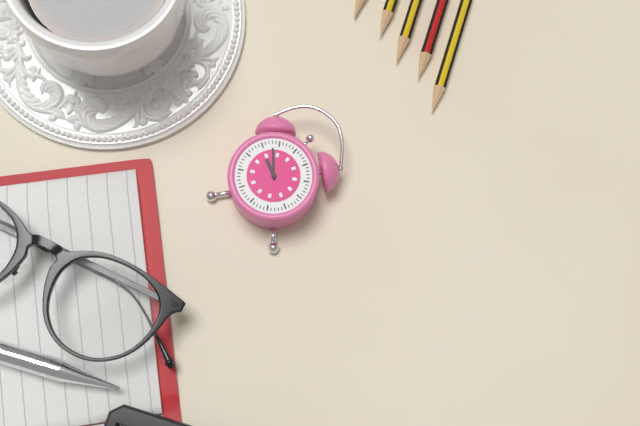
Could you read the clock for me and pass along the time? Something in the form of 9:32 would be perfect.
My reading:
9:53
